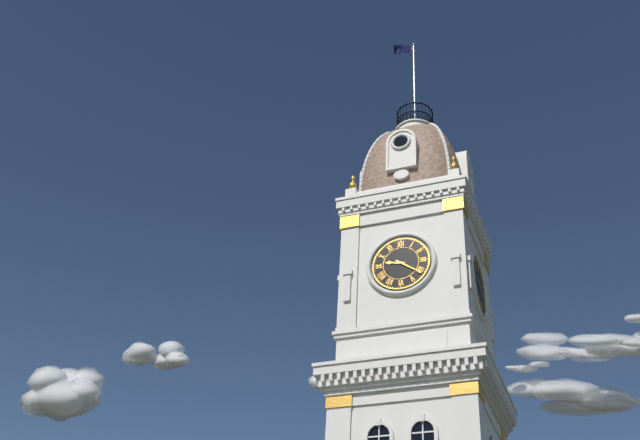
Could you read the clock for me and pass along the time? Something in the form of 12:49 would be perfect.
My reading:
9:21
